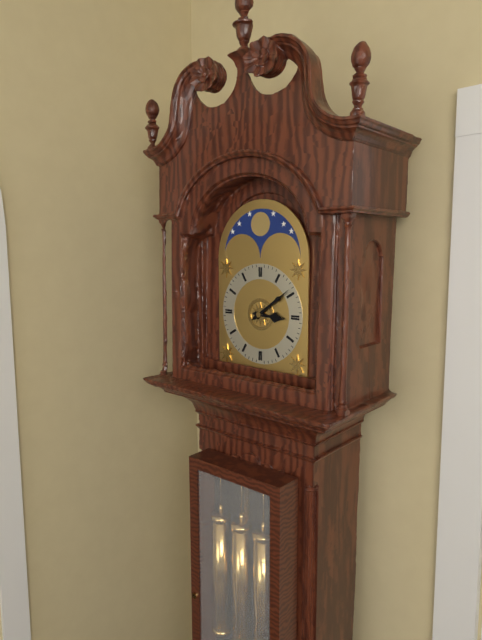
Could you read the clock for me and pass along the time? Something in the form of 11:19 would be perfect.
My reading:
3:09
